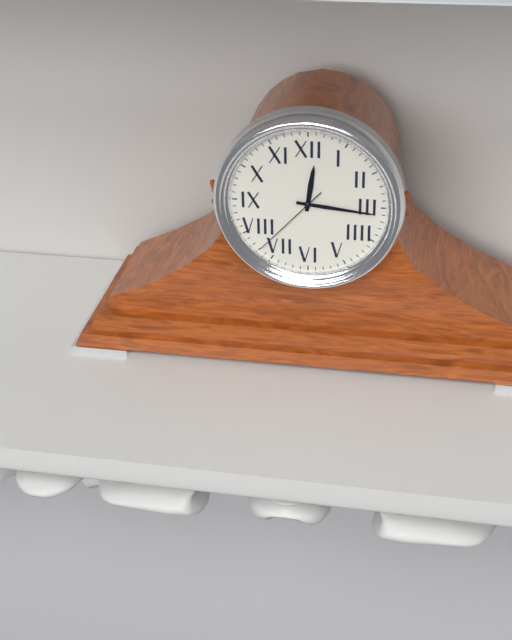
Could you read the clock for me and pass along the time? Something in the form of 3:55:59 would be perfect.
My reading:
12:16:37
